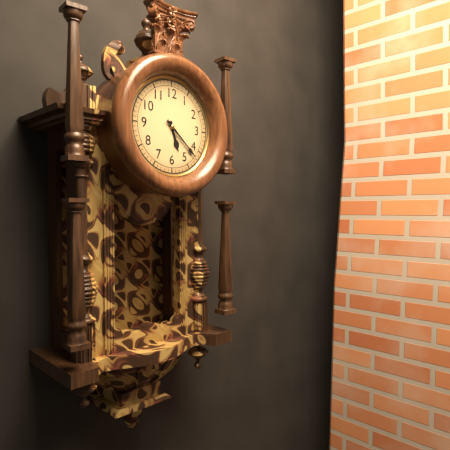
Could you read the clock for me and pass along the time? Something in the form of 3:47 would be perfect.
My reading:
5:22
